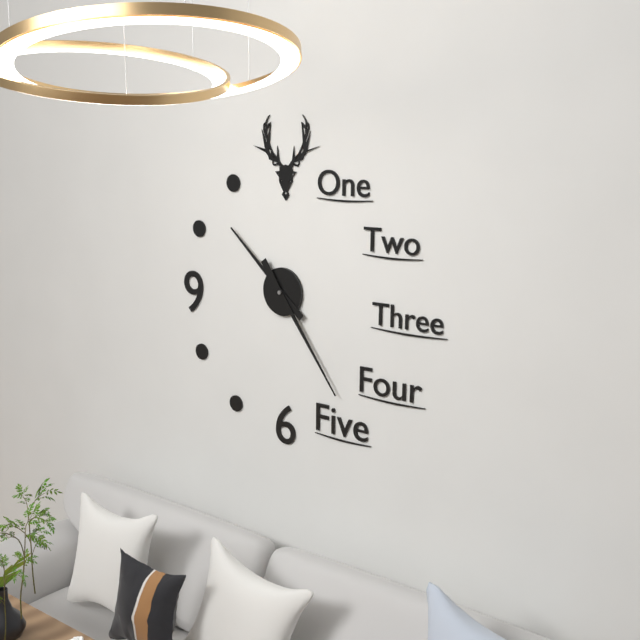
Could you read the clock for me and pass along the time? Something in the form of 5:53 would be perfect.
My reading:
10:24
